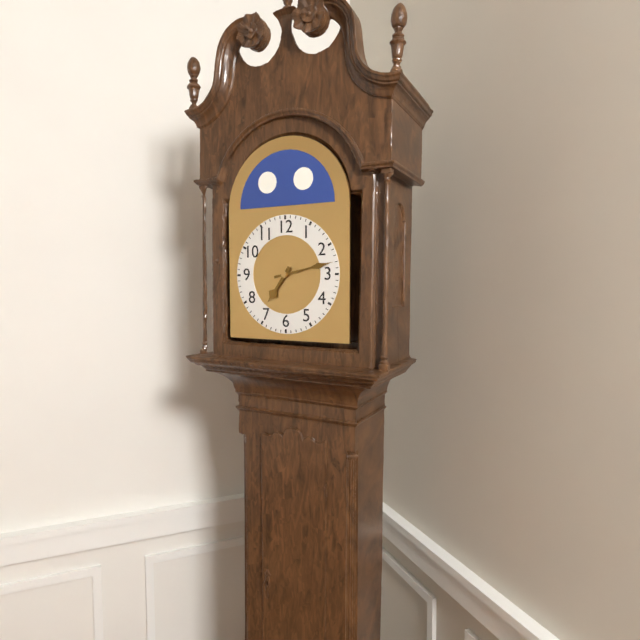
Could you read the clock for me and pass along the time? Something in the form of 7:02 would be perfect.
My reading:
7:13
